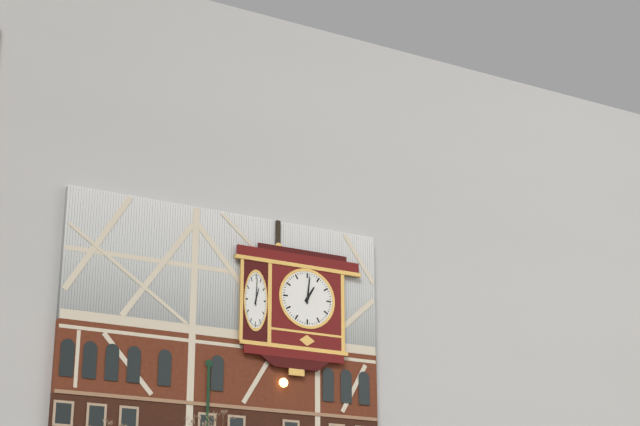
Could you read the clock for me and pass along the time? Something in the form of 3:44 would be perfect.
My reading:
1:01
